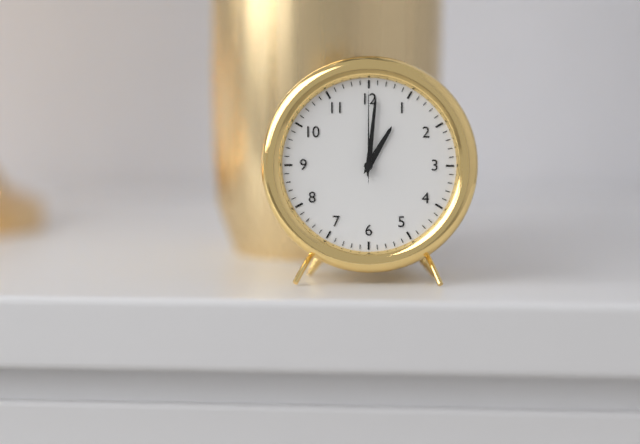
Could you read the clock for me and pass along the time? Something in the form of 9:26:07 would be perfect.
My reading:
1:01:00
